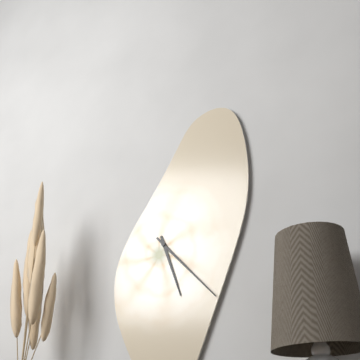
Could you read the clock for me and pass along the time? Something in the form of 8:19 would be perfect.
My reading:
5:23
